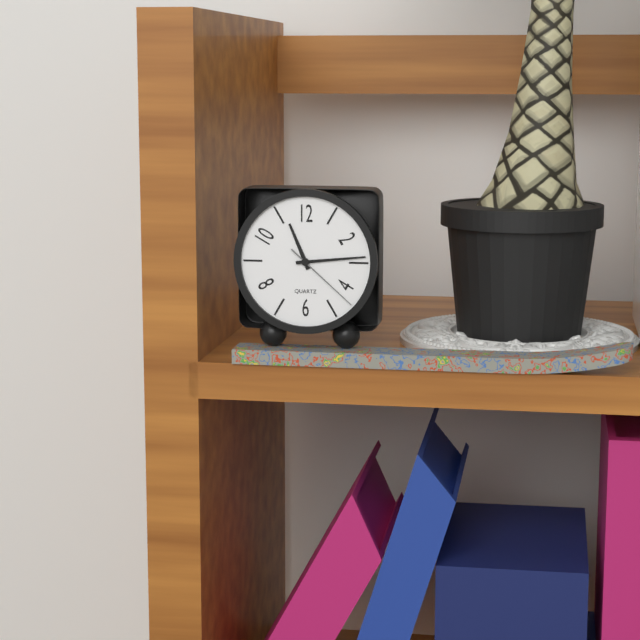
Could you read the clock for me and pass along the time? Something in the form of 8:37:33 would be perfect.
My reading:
11:14:22
